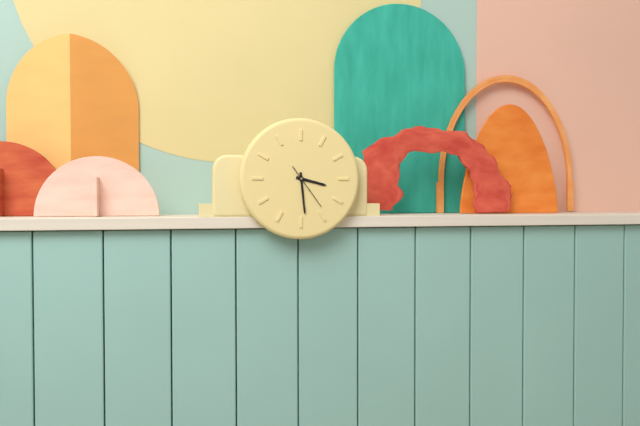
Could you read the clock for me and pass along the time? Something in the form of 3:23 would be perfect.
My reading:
3:29
